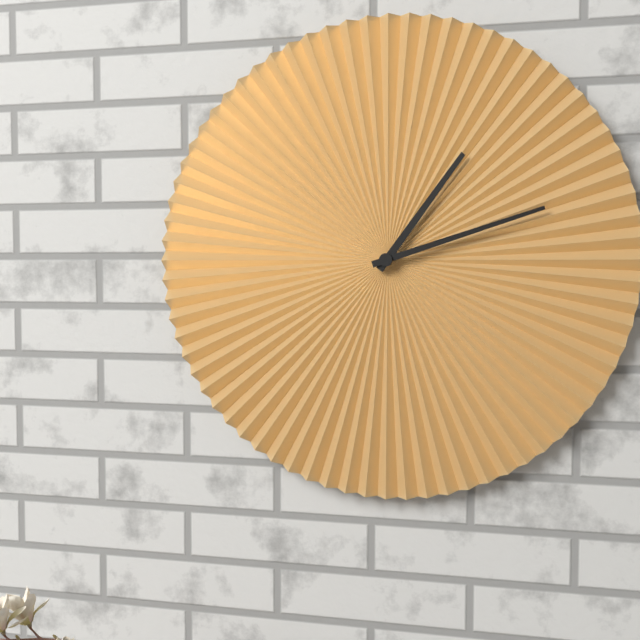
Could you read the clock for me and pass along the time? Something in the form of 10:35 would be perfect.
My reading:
1:12
